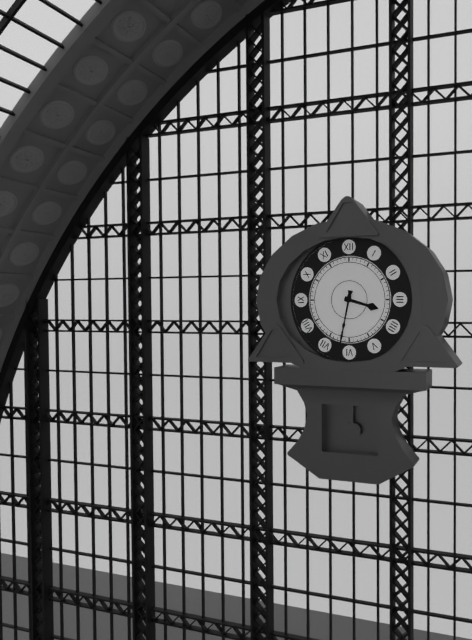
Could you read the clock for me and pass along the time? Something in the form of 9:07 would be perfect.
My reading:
3:32
